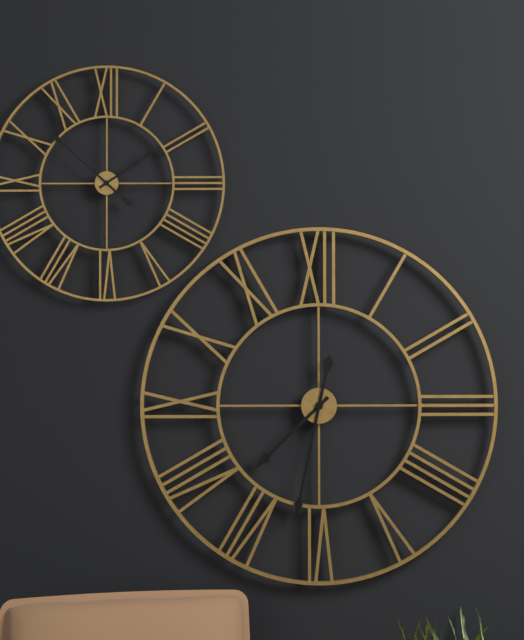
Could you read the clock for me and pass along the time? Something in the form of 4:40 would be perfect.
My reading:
7:32
